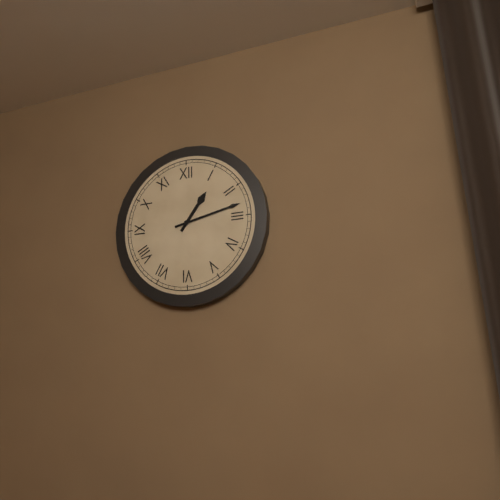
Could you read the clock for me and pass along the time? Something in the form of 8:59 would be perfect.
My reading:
1:13
